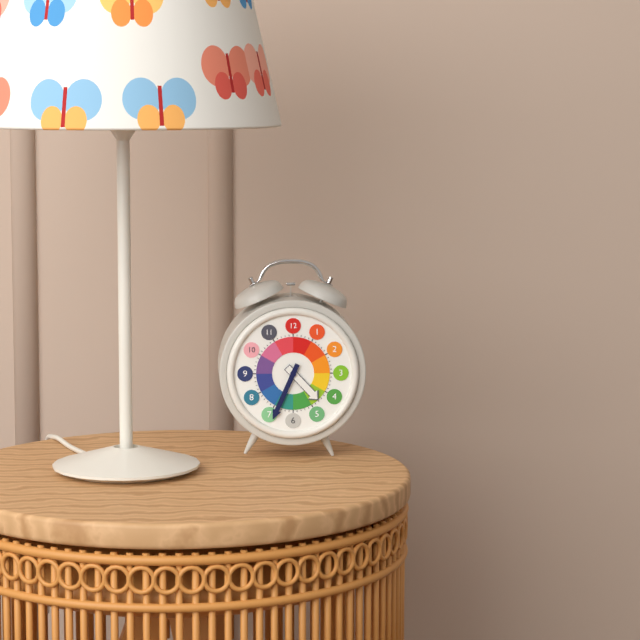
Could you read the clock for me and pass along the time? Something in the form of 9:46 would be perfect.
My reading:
4:34
